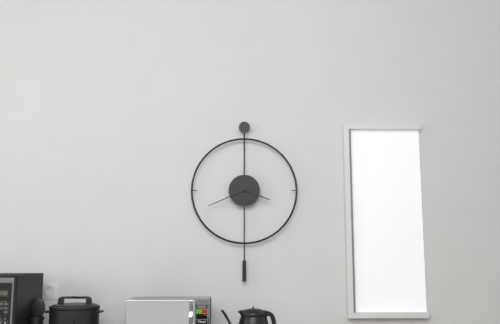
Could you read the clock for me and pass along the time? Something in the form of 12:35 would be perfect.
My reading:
3:41
